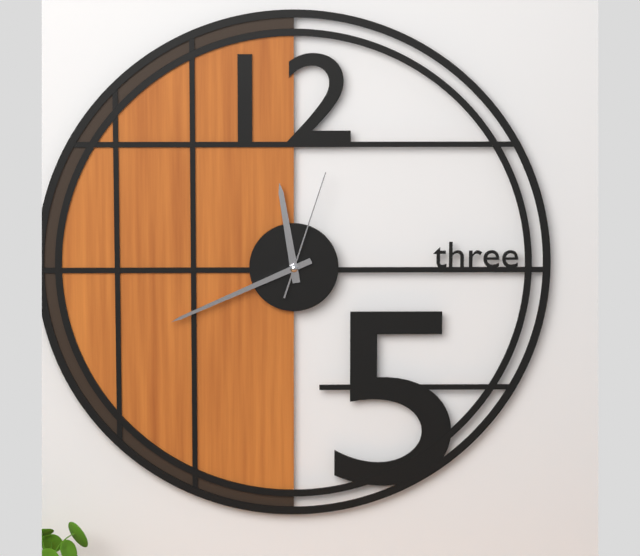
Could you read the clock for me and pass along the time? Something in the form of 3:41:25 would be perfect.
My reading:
11:41:03
